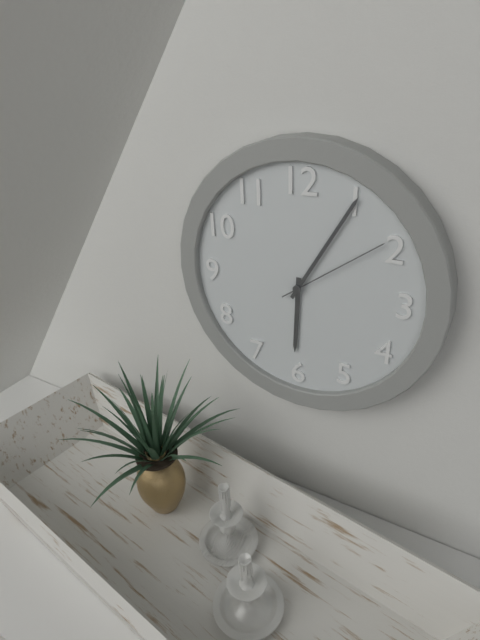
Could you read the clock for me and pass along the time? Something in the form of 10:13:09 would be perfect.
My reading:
6:05:09
